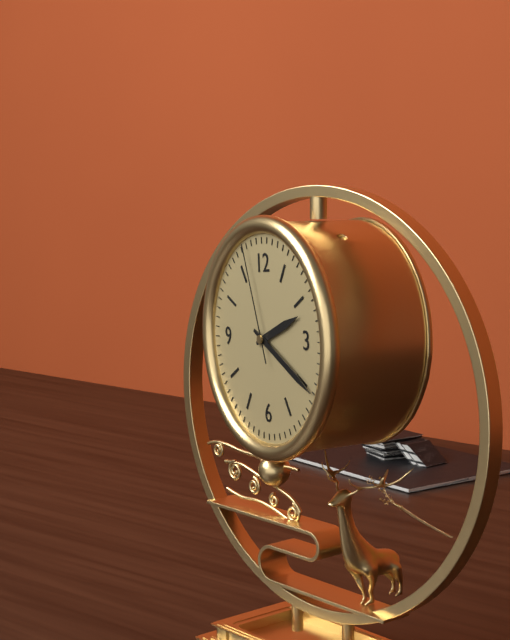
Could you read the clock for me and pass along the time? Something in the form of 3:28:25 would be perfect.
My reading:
2:20:57
